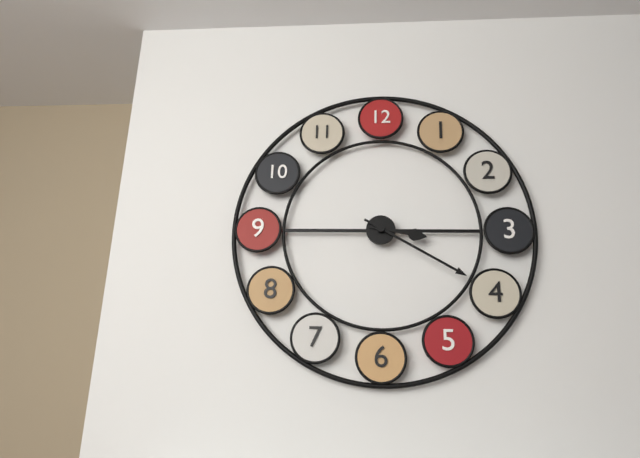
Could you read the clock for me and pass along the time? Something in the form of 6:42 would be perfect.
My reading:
3:20
